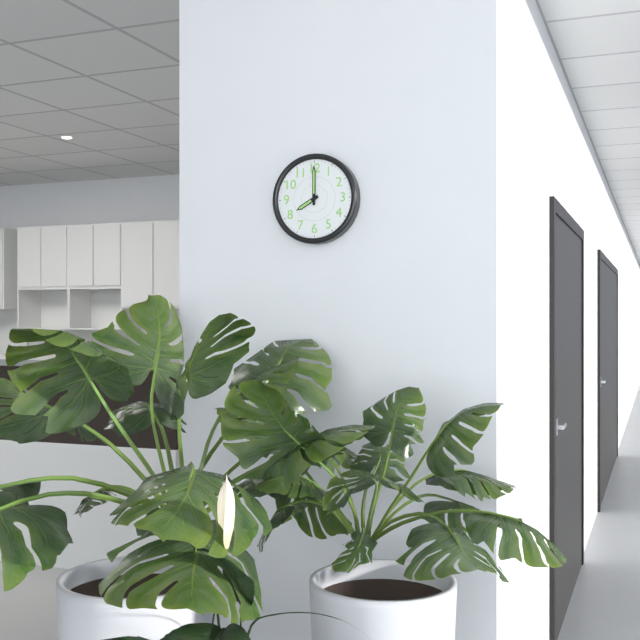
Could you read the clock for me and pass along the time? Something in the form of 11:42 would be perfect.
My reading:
8:00
